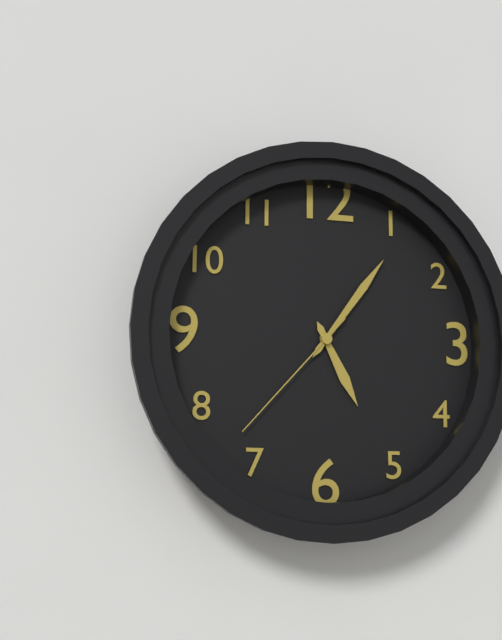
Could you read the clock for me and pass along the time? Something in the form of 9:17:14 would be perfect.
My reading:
5:06:37
